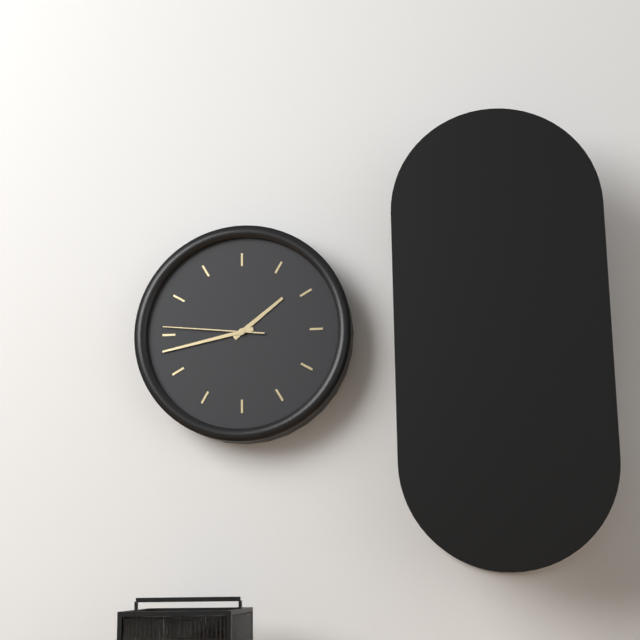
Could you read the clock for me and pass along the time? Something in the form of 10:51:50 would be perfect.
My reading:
1:43:46
